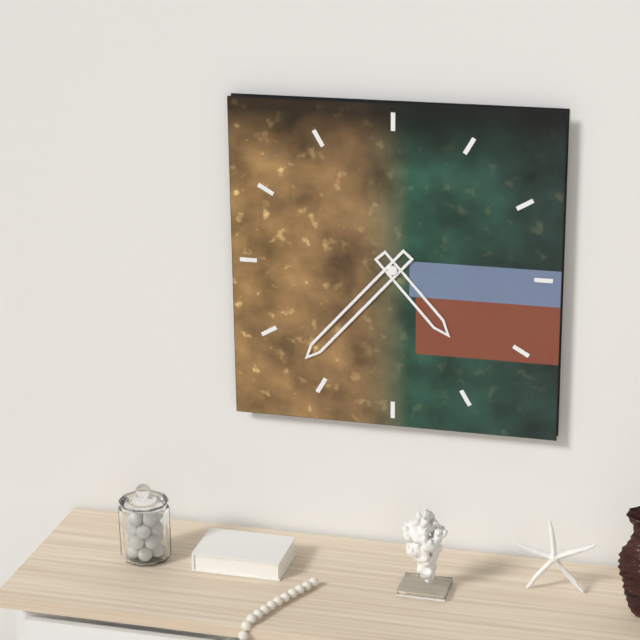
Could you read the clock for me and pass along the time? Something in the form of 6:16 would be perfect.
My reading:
4:37
